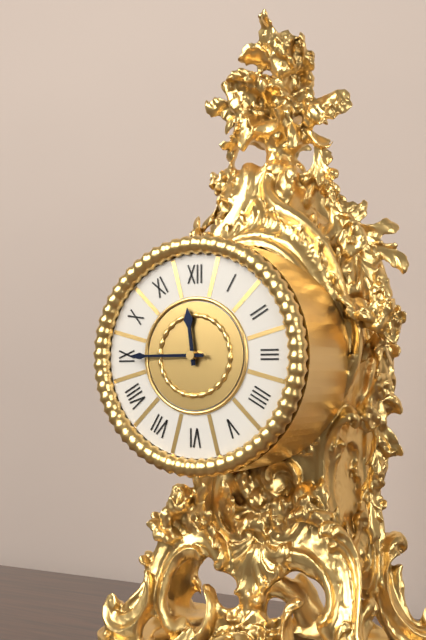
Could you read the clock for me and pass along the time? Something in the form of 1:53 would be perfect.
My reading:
11:45
